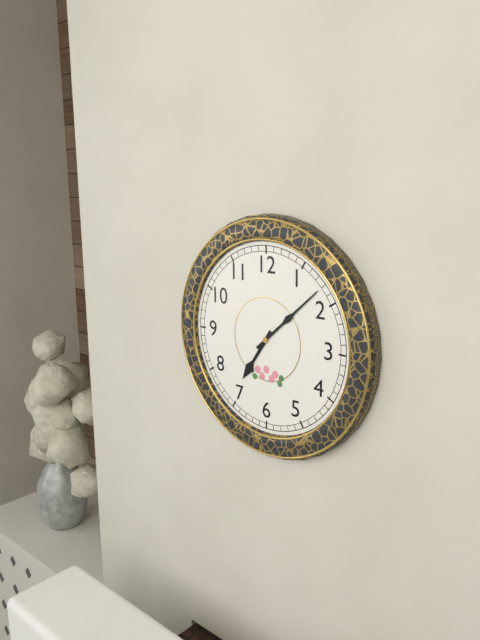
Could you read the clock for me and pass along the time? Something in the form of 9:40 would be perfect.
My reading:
7:08
